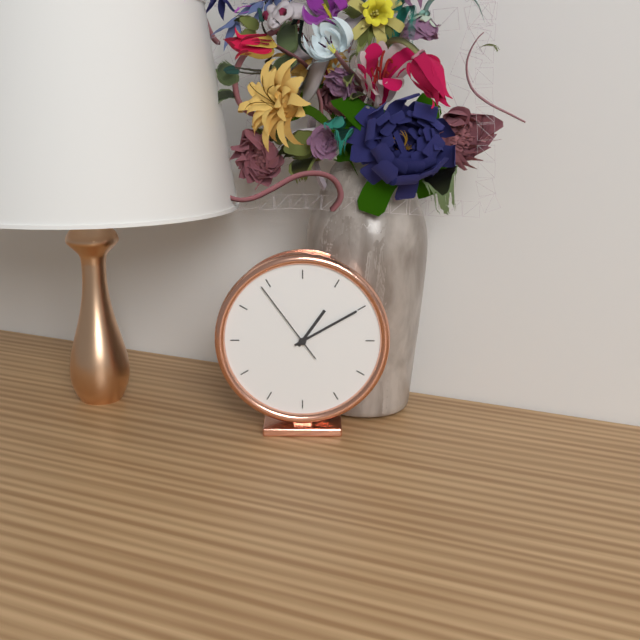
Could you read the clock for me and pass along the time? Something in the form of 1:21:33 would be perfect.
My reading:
1:10:54
